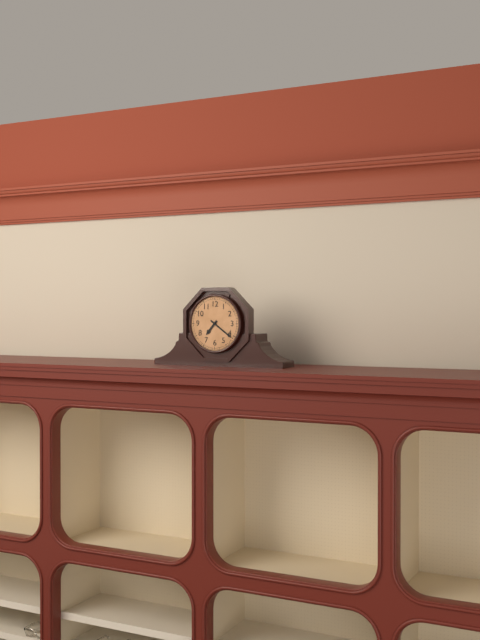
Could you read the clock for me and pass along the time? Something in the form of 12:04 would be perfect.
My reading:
7:21
